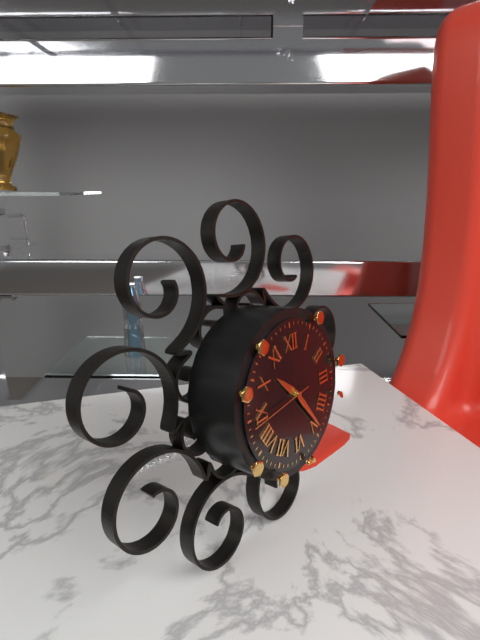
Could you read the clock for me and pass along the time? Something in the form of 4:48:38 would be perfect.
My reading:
10:24:44
